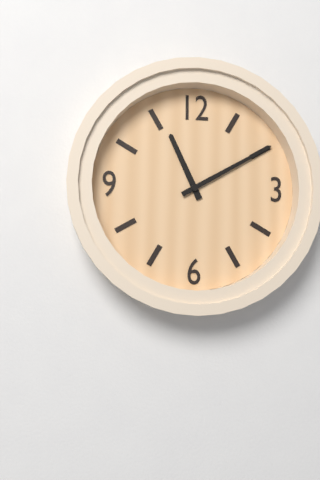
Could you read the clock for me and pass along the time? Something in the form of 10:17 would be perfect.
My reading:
11:10
